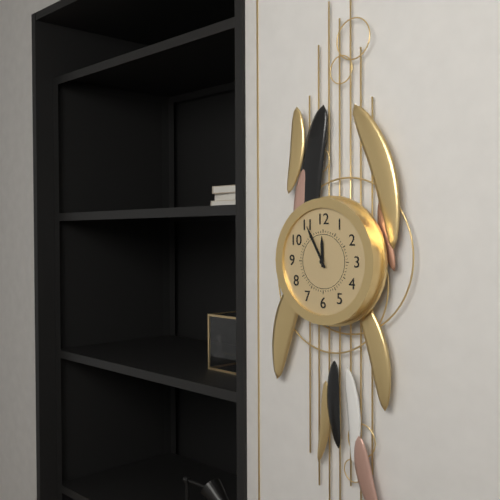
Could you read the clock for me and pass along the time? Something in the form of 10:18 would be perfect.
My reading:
11:55
